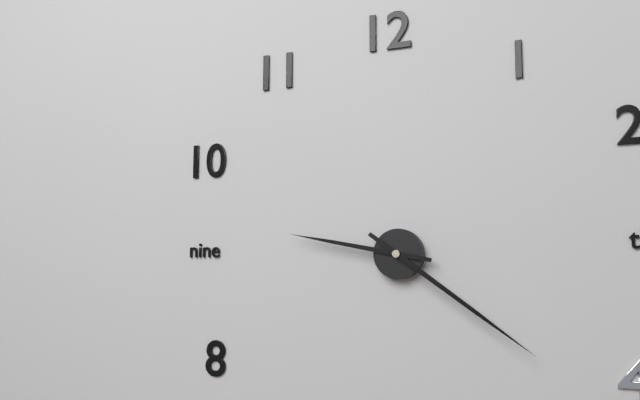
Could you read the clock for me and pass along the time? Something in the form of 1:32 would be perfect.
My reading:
9:21
